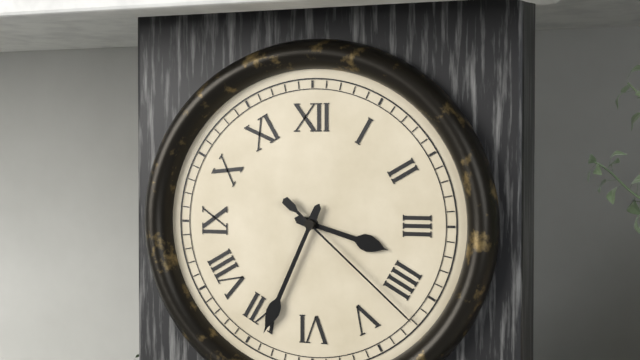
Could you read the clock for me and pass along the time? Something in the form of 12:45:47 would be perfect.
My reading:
3:34:22
